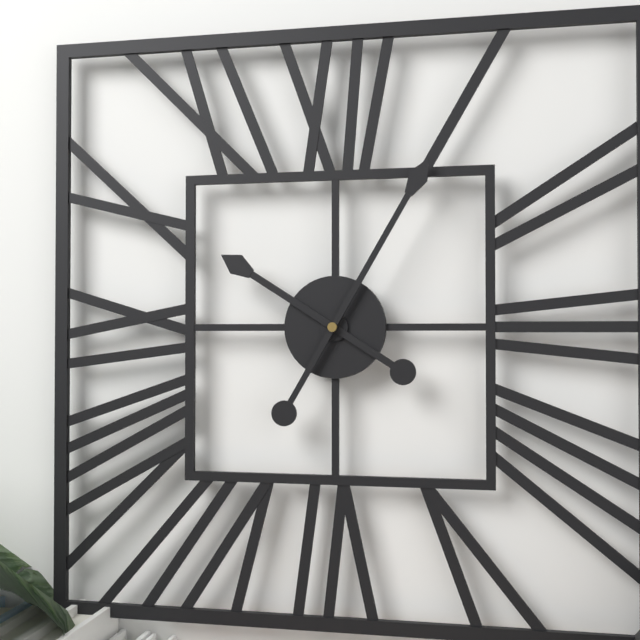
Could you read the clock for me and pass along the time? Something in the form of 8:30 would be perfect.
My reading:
10:05
